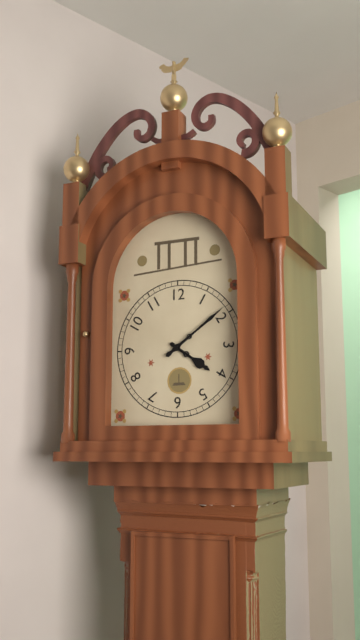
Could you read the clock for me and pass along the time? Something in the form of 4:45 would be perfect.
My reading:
4:09
